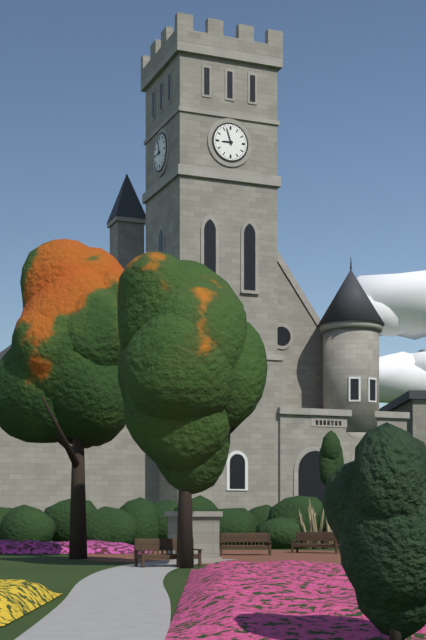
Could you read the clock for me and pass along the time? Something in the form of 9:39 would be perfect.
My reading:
8:57
